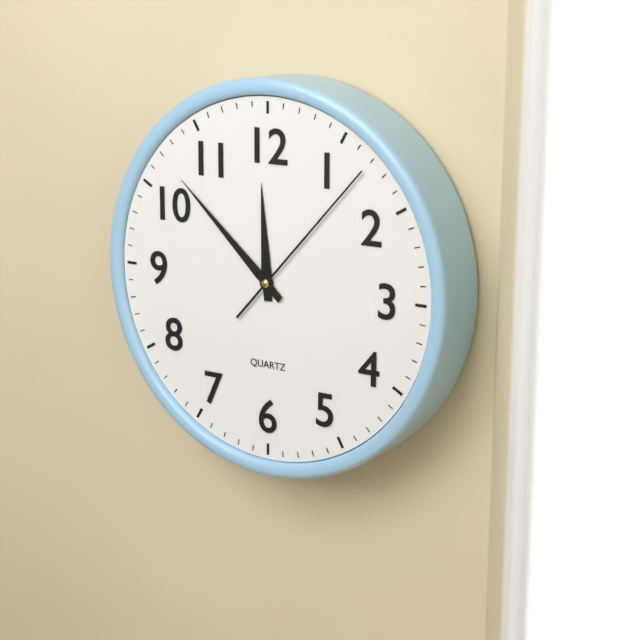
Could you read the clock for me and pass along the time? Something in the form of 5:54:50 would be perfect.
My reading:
11:52:07
